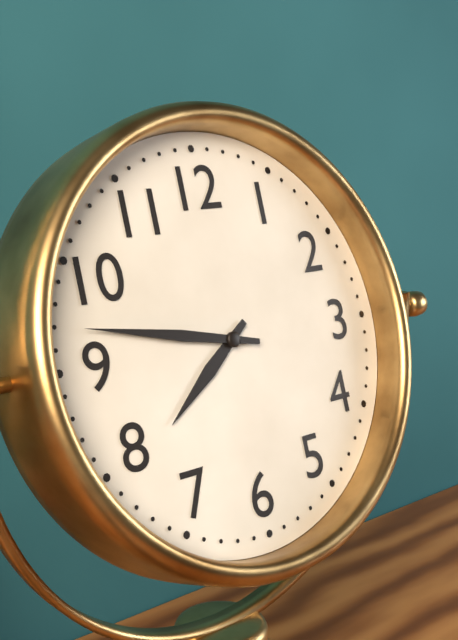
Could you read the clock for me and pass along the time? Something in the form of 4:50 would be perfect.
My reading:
7:47
